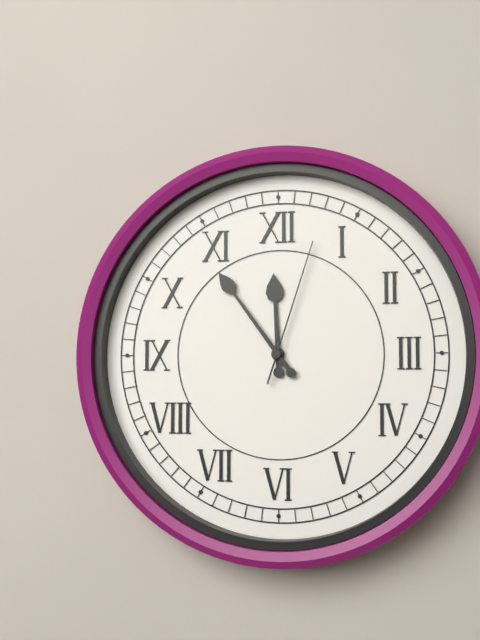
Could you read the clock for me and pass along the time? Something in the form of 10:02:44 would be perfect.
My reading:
11:54:03
